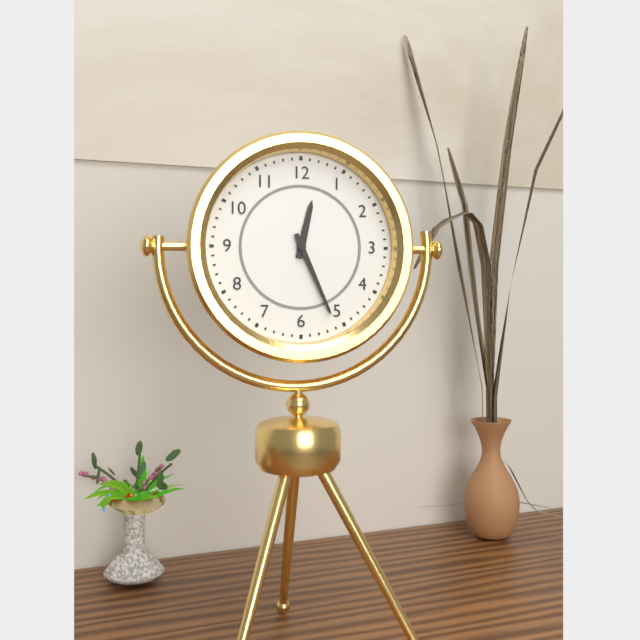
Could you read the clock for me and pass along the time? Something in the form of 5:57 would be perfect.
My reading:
12:26
